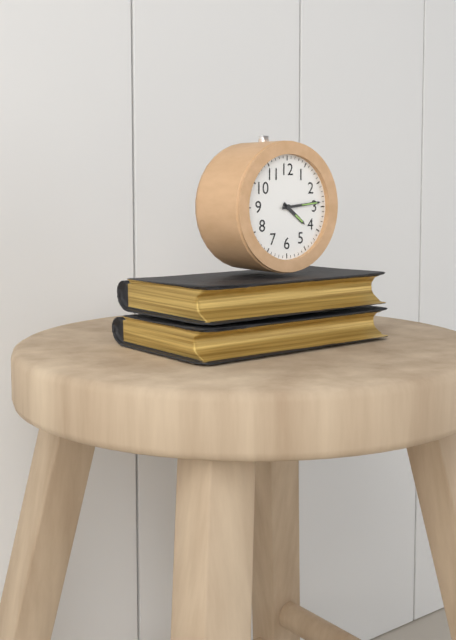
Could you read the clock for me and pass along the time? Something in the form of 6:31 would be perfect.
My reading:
4:14
